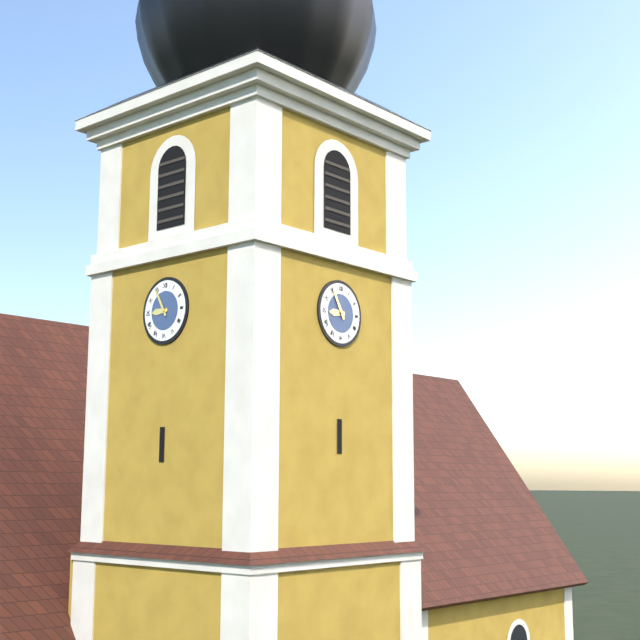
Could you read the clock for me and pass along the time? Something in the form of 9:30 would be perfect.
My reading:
8:55
